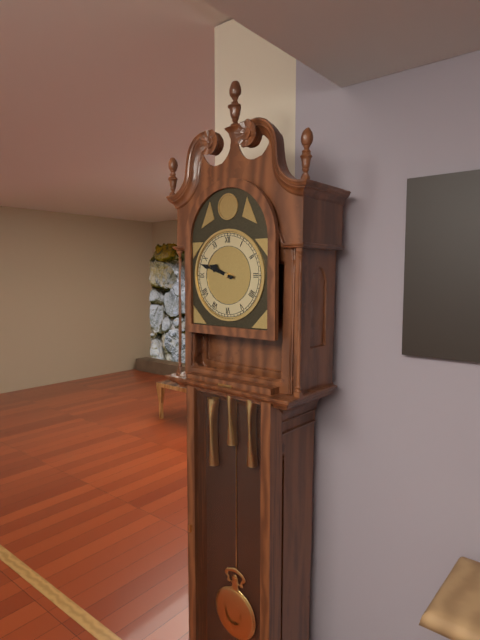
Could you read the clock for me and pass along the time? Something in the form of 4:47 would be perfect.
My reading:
9:48
